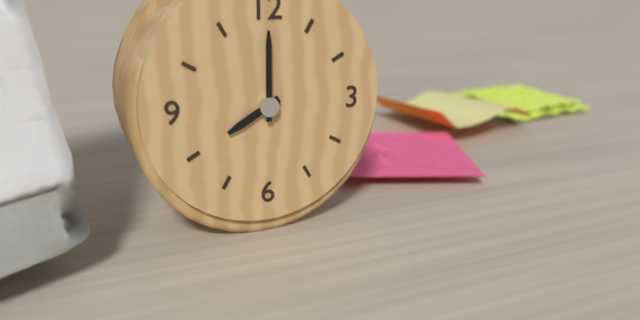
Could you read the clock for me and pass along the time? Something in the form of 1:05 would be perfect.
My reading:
8:00
